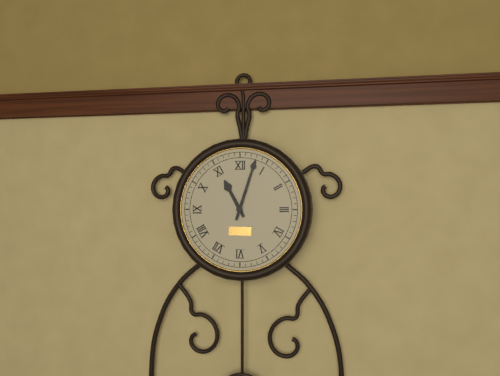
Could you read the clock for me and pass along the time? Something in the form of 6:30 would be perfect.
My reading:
11:03
